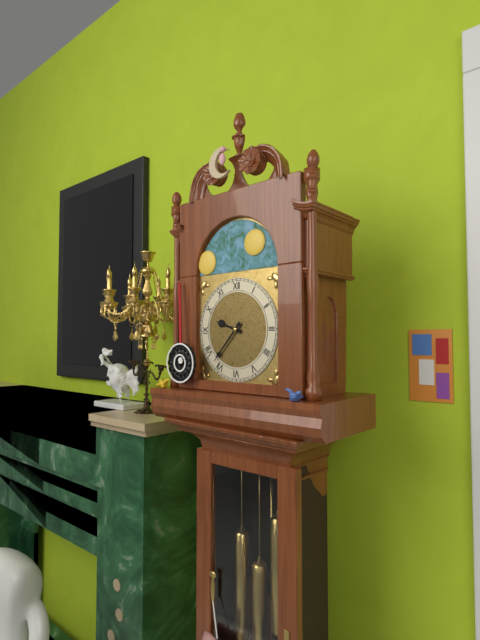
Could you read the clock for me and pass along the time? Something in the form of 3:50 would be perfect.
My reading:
9:37
